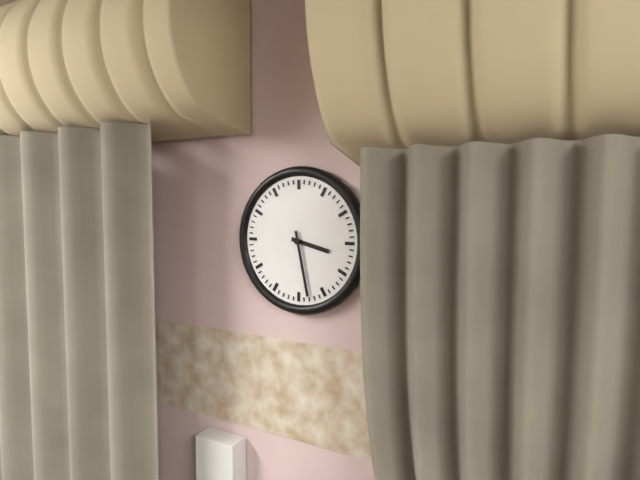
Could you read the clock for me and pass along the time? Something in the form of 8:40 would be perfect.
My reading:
3:28
